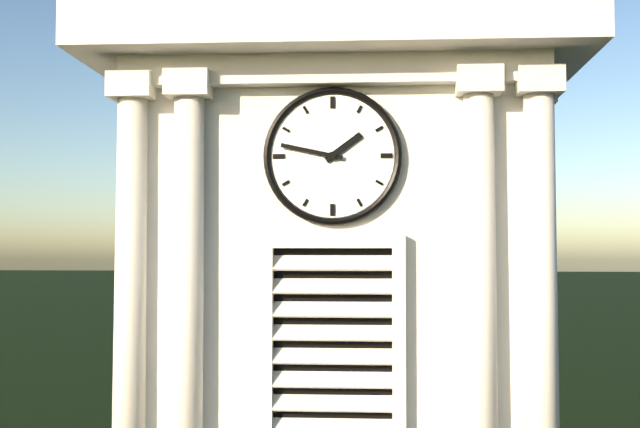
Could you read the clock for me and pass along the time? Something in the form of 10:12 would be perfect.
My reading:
1:47
